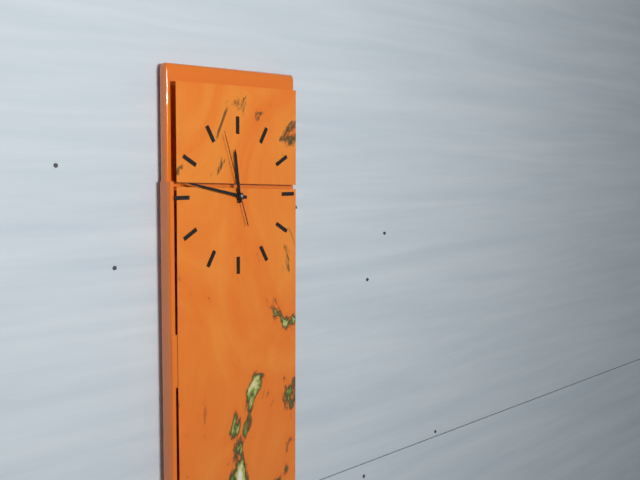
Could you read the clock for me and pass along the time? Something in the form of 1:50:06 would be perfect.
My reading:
11:47:57
